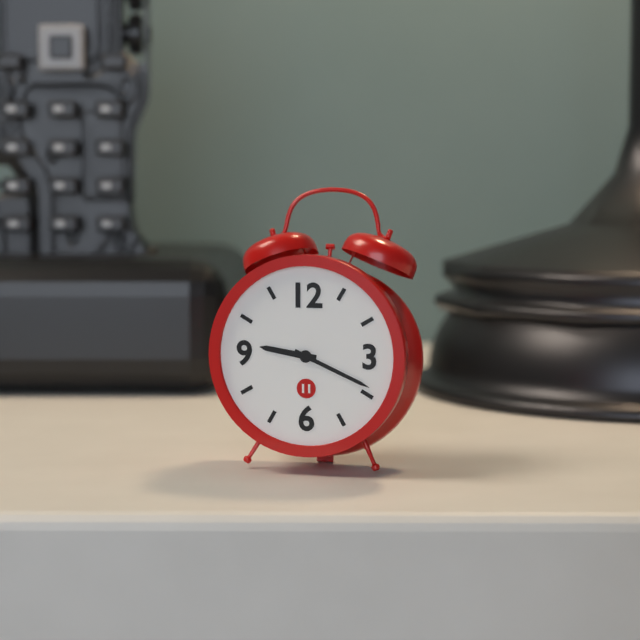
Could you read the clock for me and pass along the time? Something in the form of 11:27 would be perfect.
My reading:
9:19
